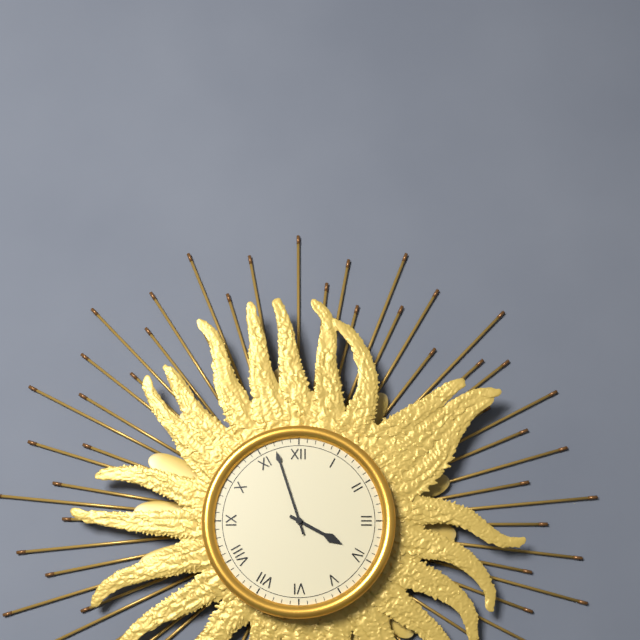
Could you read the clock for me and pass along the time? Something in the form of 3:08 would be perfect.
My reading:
3:57
